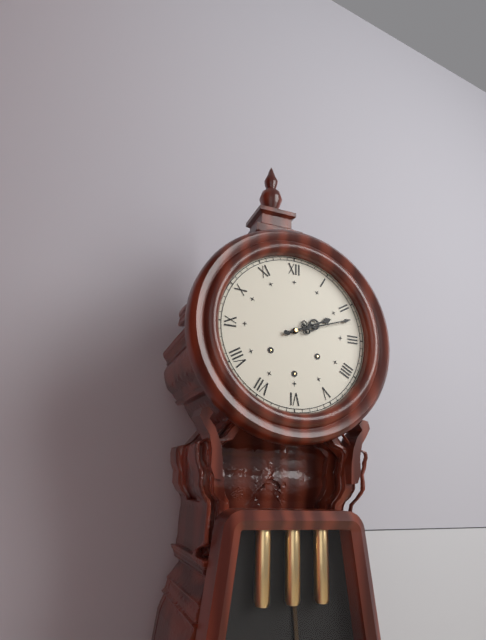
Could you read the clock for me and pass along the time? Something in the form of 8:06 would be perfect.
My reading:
2:12
